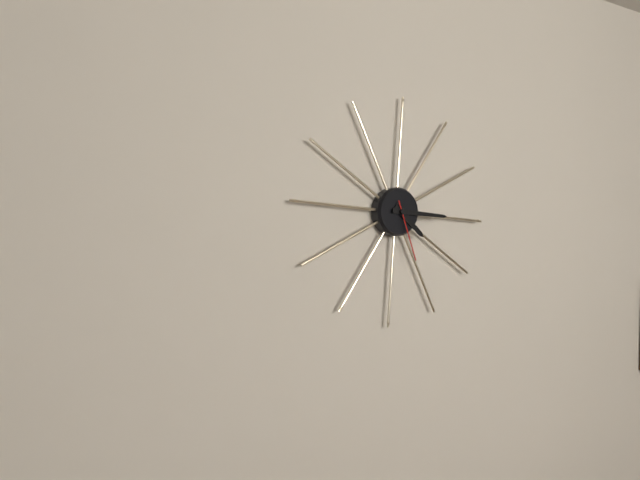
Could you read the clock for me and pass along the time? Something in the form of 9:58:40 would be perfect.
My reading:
4:15:26
